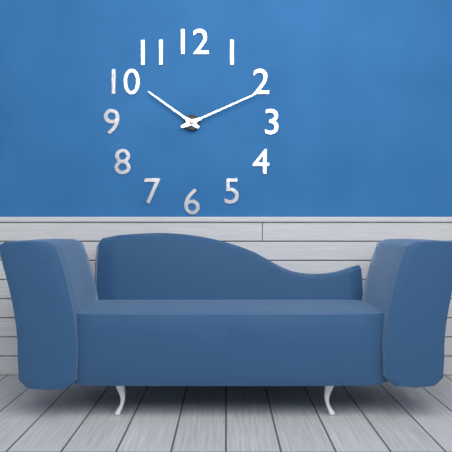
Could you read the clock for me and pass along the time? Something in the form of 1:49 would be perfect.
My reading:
10:11
